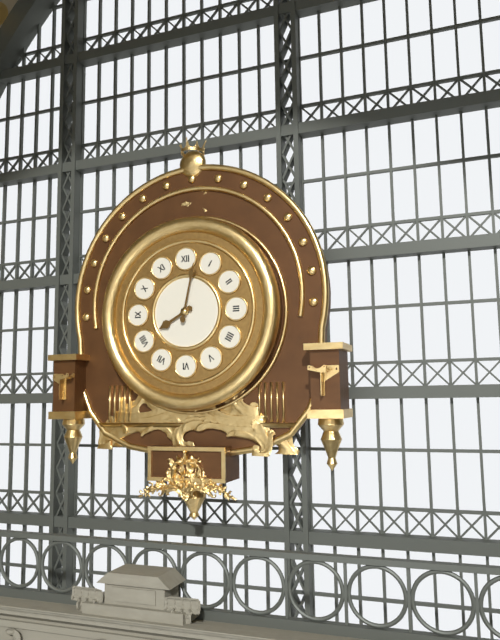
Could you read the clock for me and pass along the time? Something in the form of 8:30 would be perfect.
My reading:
8:02
